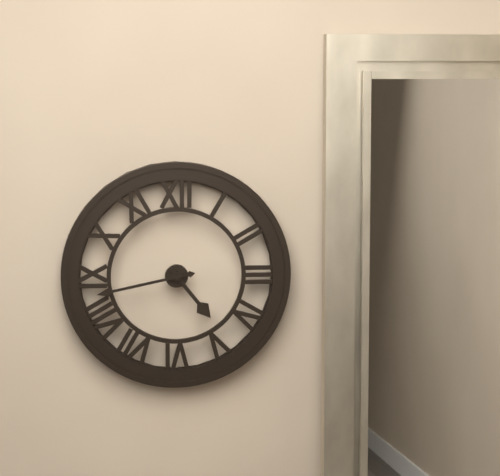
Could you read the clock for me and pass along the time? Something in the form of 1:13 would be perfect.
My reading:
4:43
